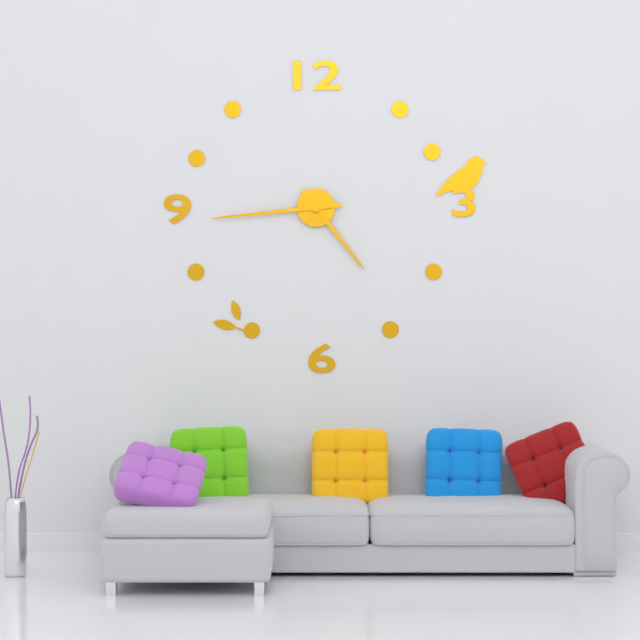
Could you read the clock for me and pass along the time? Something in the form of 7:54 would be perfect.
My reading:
4:44
